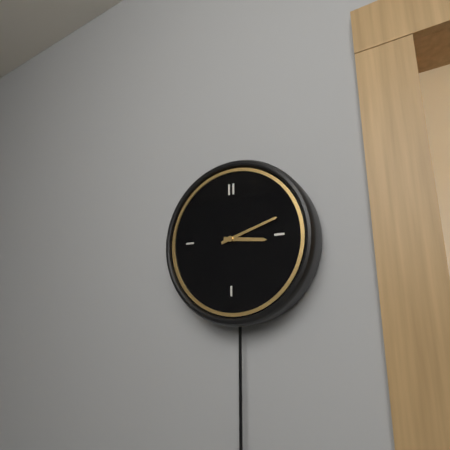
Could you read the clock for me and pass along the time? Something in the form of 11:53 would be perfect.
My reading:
3:12
